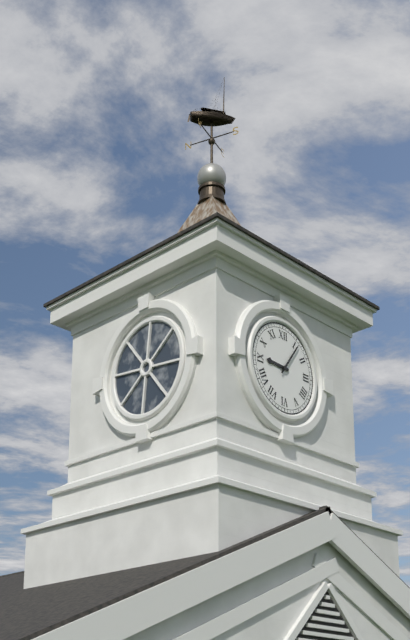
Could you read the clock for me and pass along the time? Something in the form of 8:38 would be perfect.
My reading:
9:06
